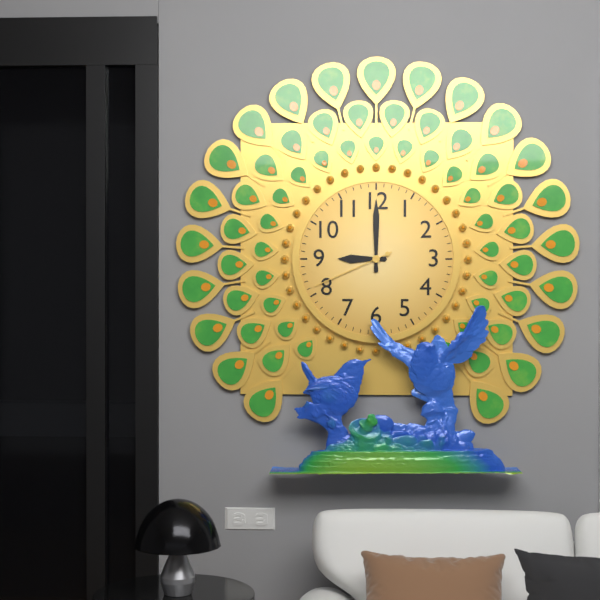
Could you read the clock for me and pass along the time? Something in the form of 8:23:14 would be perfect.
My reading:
9:00:41
